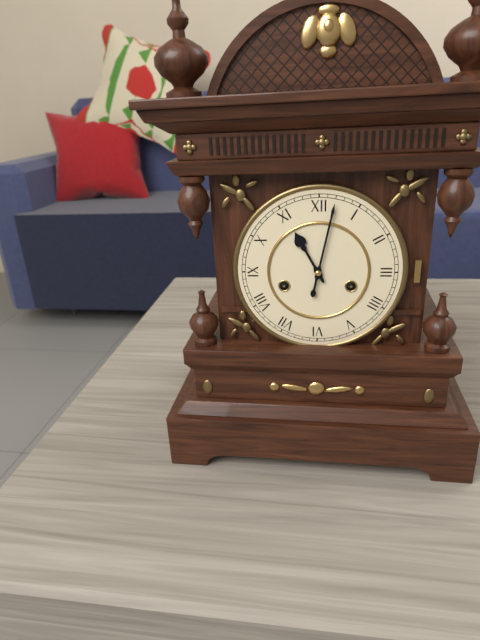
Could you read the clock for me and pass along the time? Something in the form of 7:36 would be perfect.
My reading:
11:02
